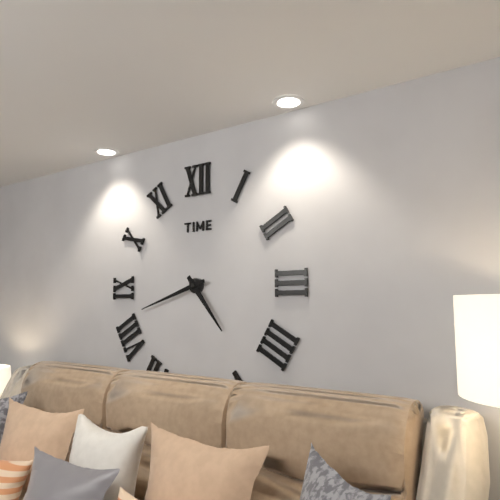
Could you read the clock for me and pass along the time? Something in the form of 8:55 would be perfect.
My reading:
4:42
